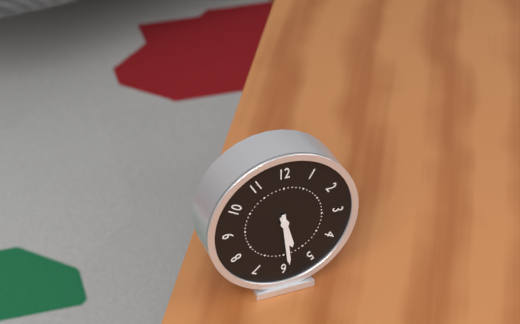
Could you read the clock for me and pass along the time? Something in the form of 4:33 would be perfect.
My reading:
5:29
